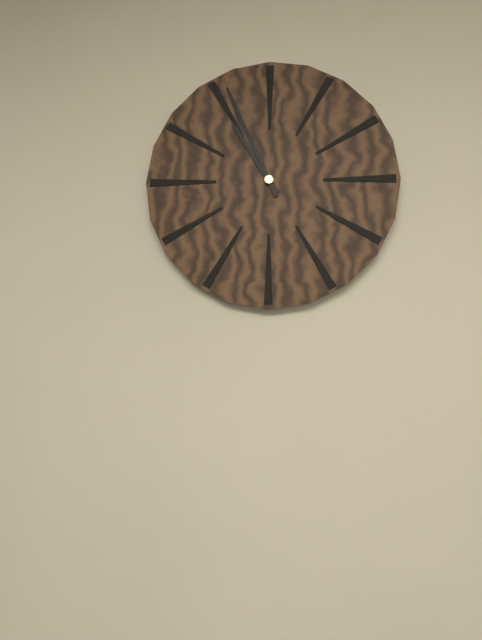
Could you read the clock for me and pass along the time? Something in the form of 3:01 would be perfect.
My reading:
10:56
